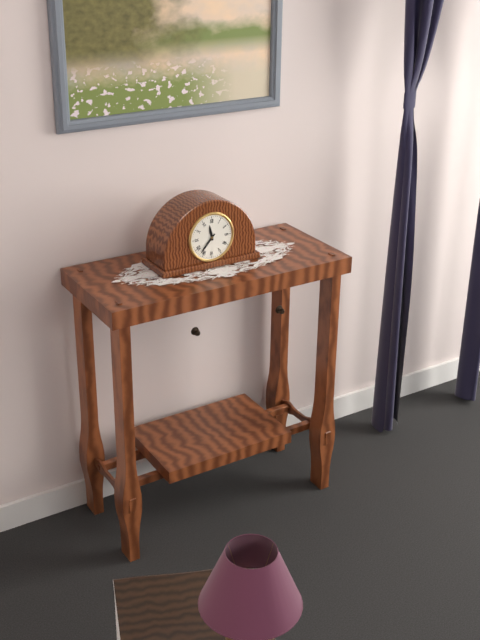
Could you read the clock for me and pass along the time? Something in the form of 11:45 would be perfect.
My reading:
11:37
